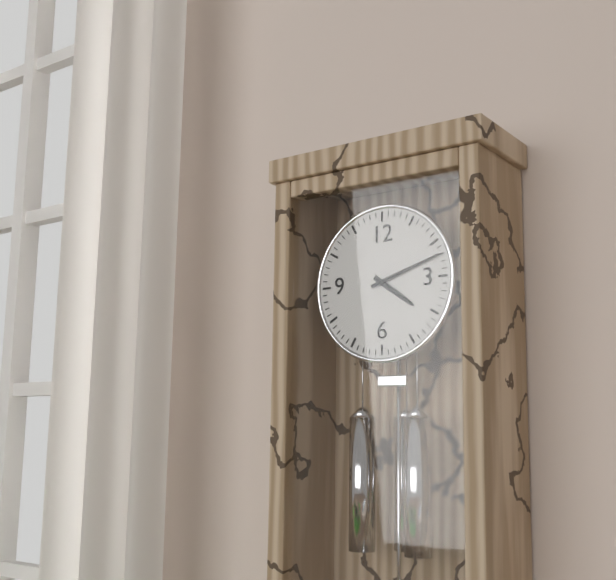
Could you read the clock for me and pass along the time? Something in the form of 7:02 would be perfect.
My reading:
4:12
